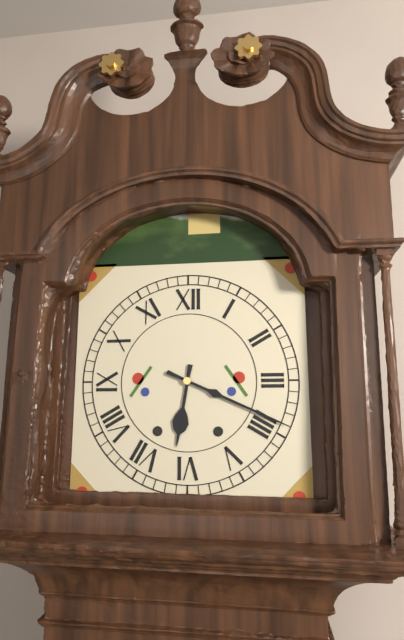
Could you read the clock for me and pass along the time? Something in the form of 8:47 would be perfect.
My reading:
6:19
